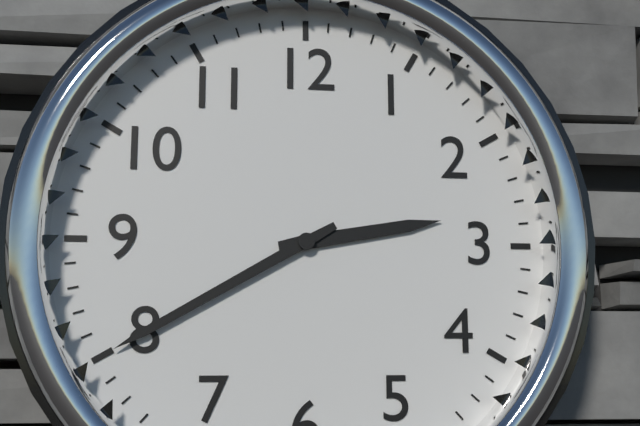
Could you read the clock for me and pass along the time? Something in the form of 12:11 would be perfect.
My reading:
2:40
